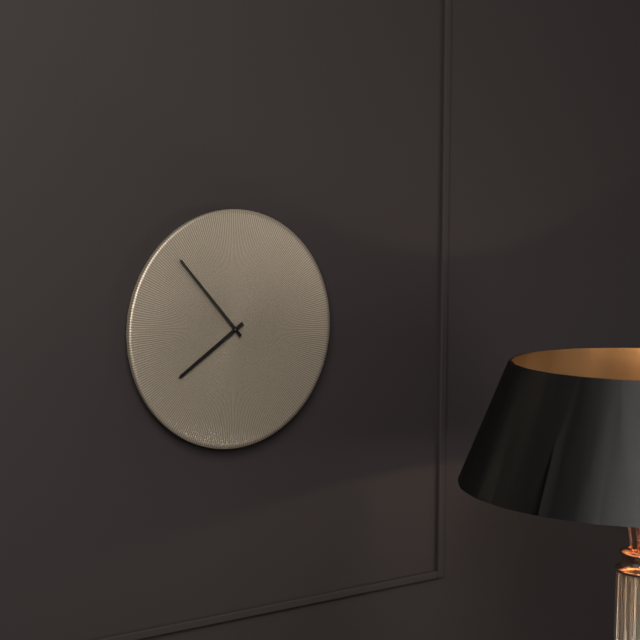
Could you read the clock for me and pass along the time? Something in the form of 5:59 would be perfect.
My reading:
7:53
